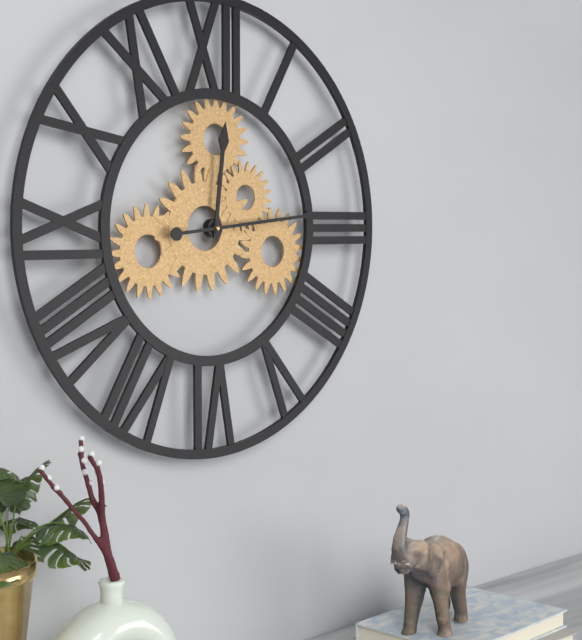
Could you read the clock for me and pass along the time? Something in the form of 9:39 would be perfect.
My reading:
12:14
